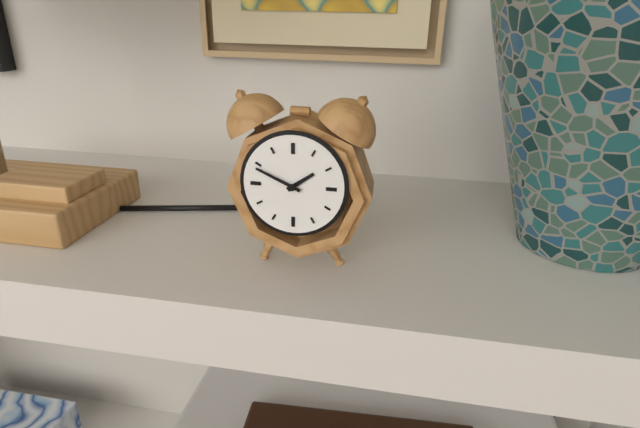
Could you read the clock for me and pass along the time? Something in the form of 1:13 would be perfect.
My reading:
1:49
